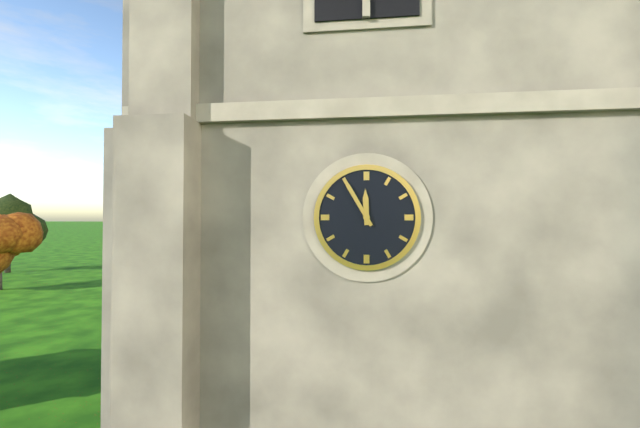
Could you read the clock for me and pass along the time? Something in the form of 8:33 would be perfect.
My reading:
11:55
